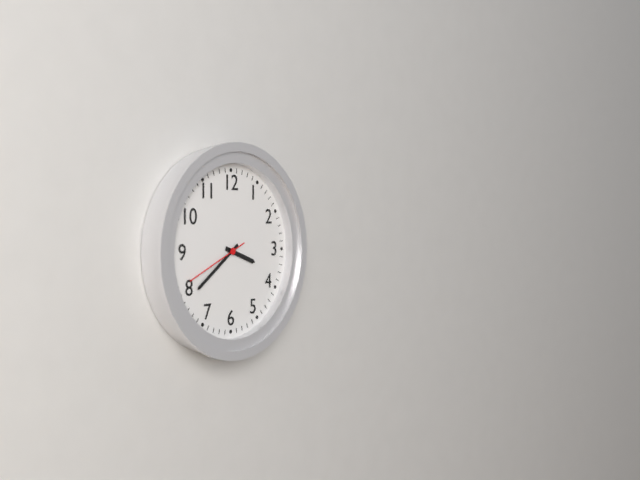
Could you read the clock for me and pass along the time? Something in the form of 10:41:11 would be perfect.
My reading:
3:39:41
